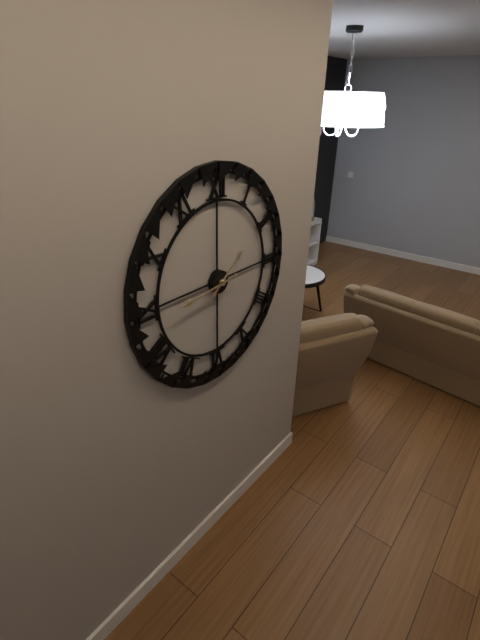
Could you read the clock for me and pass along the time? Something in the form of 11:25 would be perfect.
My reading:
1:44
